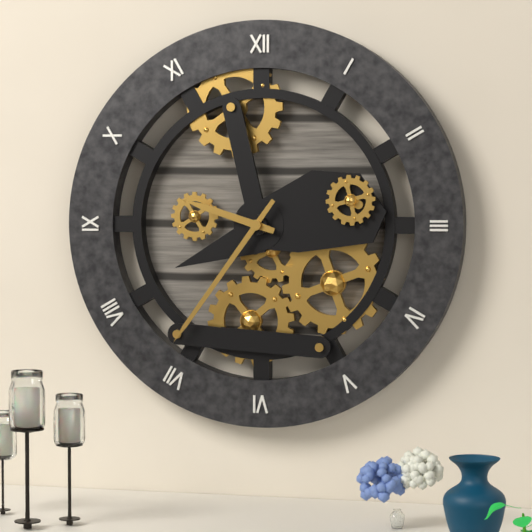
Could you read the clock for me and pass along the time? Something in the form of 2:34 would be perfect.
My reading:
9:36
